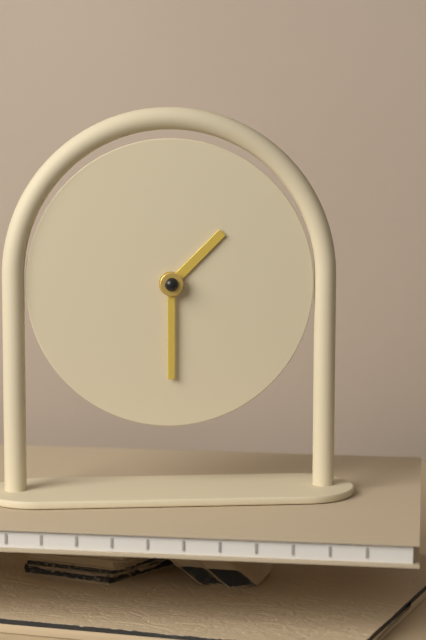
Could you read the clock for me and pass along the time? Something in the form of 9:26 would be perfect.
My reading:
1:30
